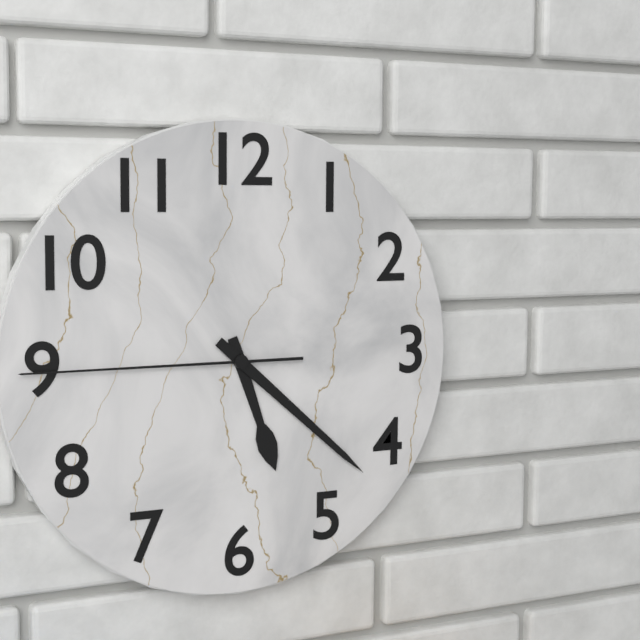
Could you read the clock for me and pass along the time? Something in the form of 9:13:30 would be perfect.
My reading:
5:22:45
